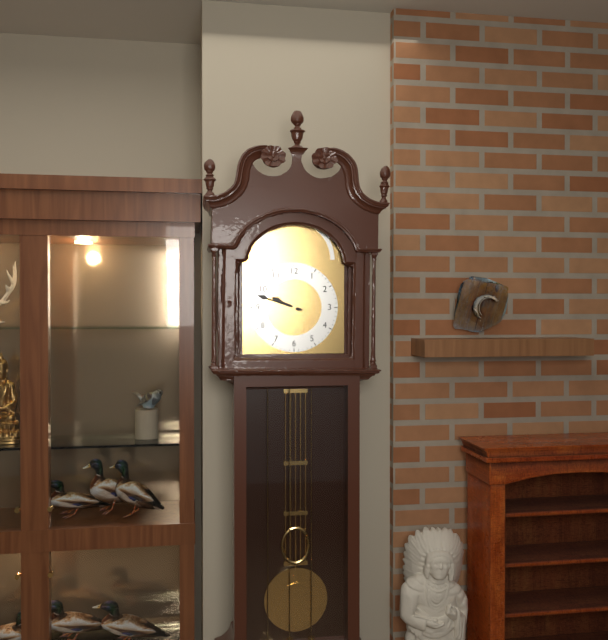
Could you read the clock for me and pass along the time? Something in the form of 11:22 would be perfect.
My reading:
9:48
